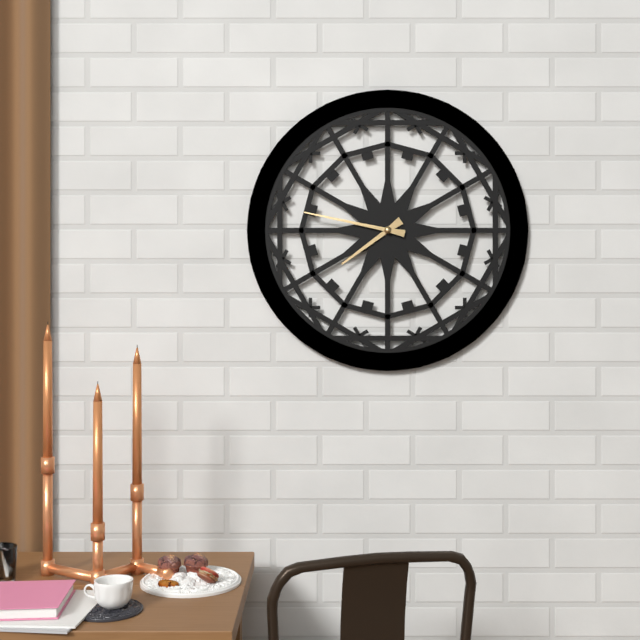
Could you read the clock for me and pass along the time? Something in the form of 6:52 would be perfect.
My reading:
7:47
